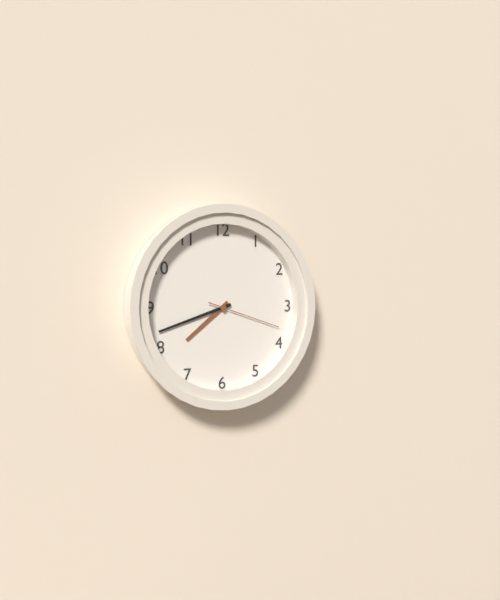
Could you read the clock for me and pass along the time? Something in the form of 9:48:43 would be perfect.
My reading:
7:42:18
